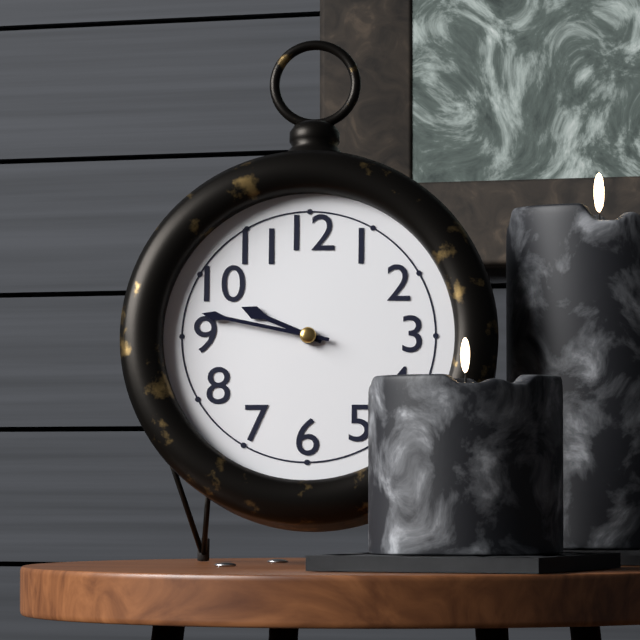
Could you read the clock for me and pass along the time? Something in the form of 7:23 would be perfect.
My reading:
9:47
